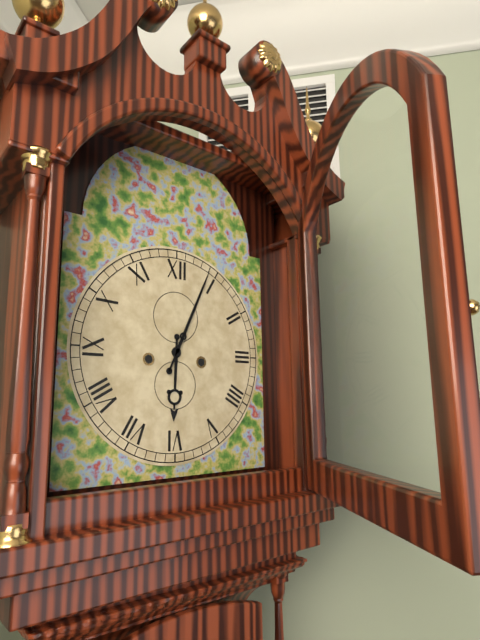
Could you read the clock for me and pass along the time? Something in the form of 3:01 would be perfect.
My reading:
6:04
